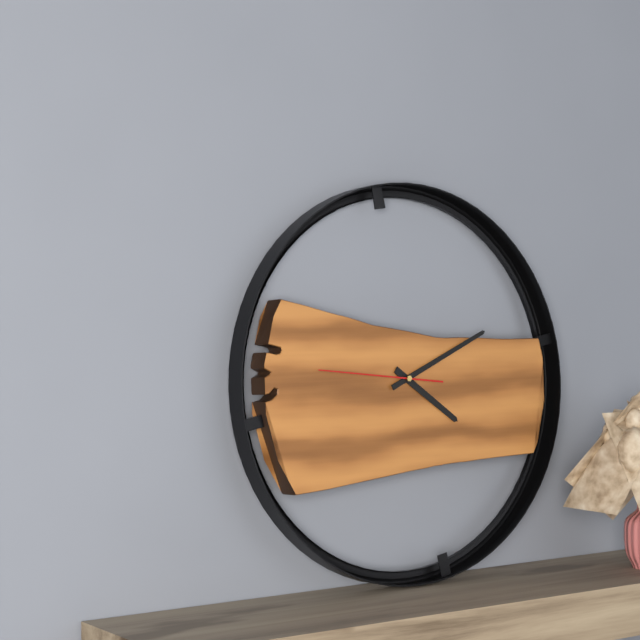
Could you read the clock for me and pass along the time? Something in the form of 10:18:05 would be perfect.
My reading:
4:11:46
